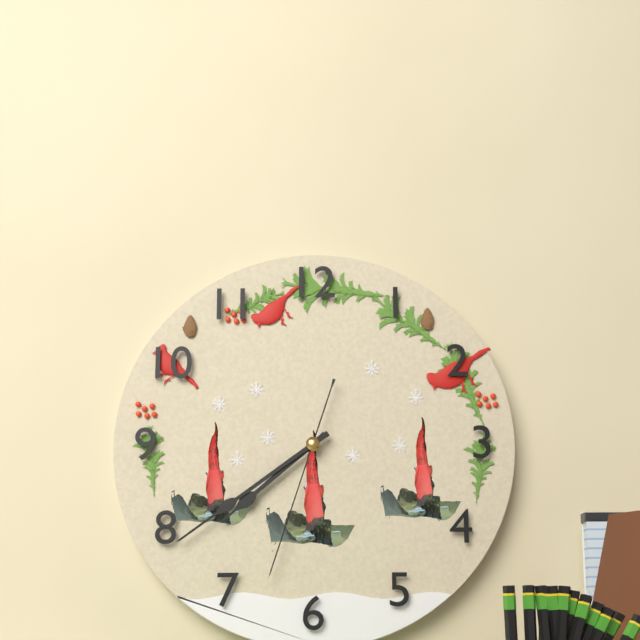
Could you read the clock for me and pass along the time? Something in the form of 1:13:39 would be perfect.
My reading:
7:39:33
